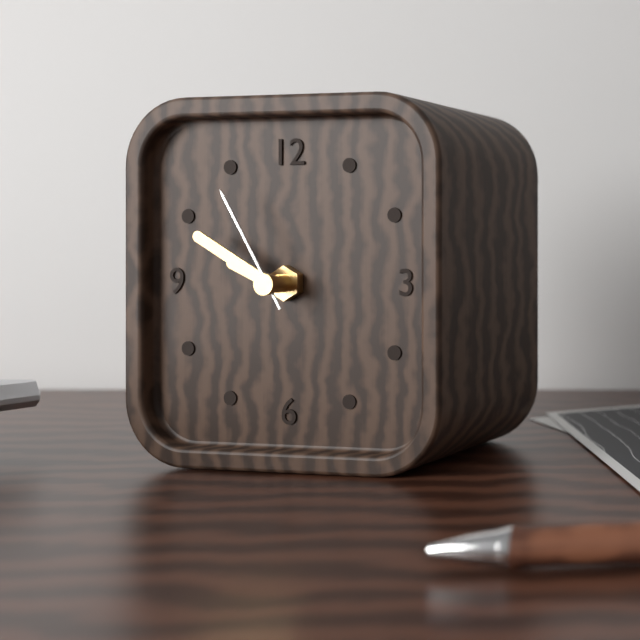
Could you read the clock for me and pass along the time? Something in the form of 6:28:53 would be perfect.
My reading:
9:50:55
